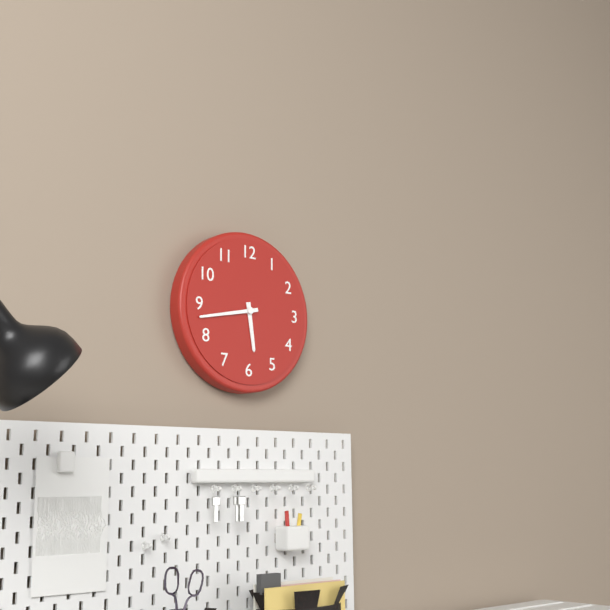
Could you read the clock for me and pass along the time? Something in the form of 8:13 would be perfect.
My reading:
5:43
